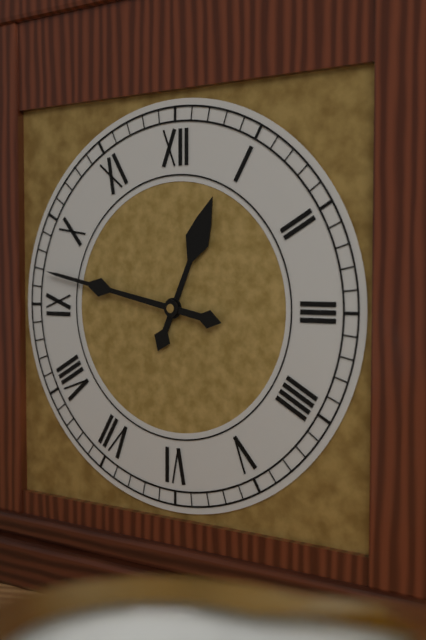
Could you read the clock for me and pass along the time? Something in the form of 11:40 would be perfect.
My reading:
12:47
